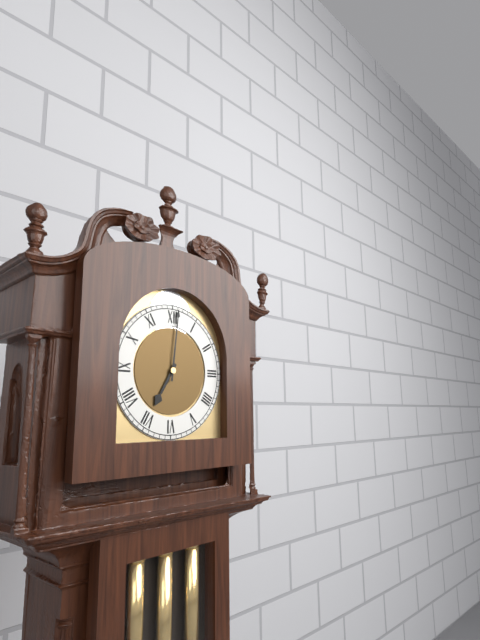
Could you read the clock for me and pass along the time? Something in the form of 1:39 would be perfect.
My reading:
7:01
